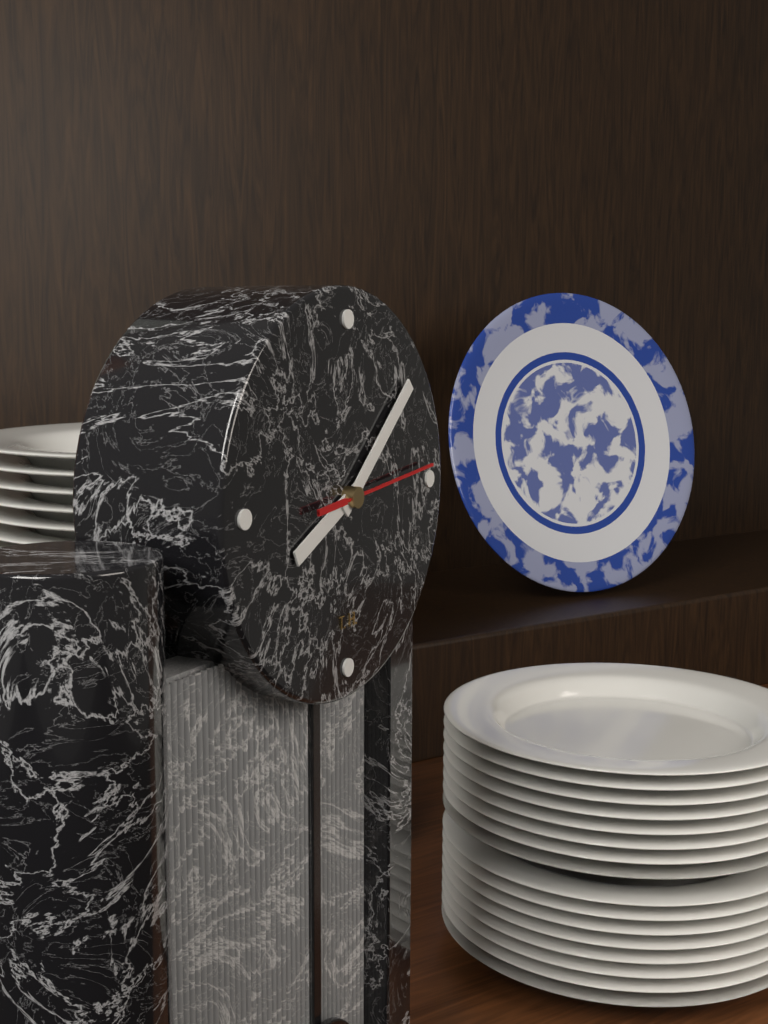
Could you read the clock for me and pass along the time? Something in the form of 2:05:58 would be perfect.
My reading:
8:08:14
